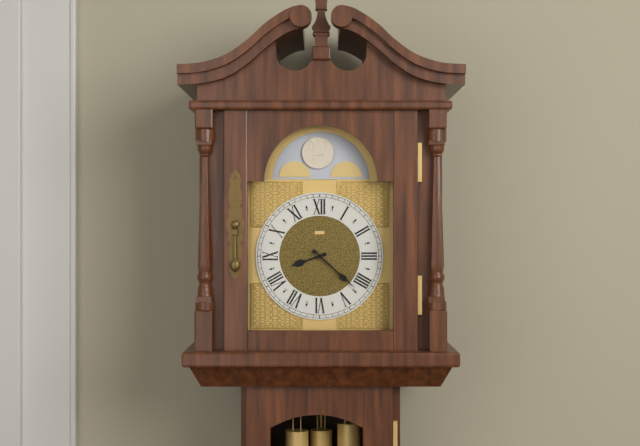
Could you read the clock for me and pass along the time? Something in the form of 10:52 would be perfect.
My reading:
8:22
